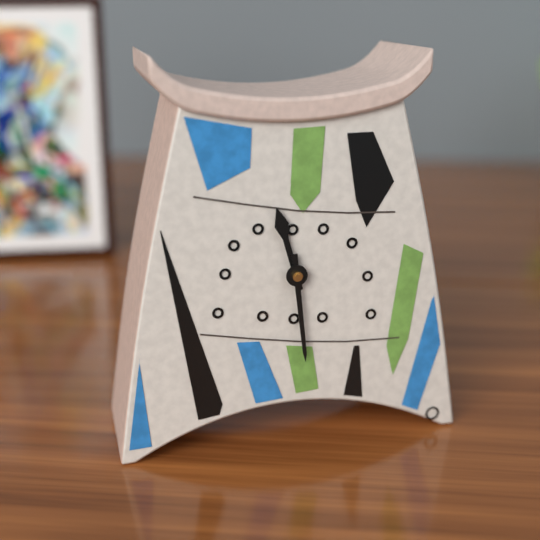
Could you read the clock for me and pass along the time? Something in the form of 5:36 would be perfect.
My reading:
11:29
